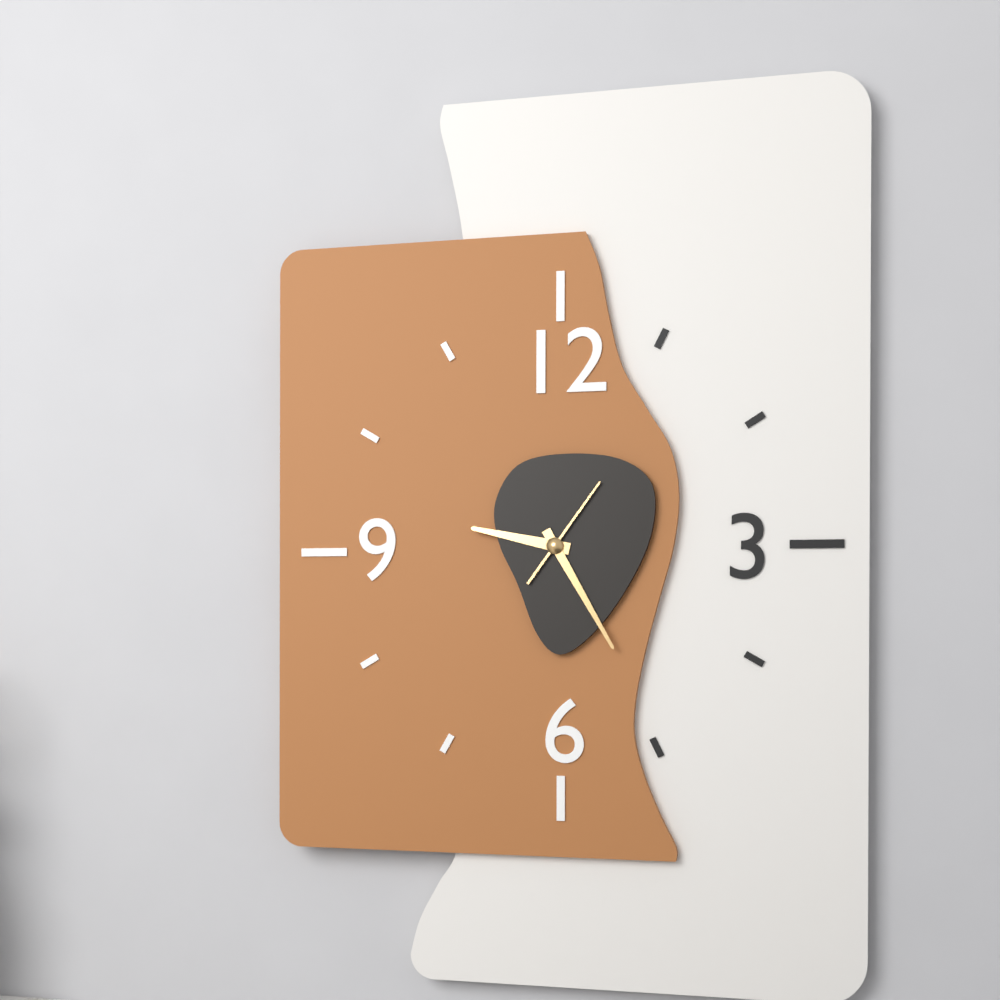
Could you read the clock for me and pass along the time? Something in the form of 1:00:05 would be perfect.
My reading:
9:25:06
